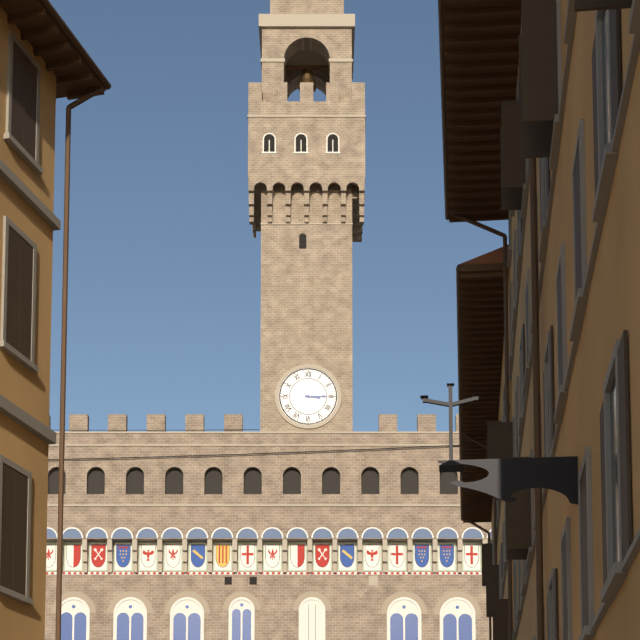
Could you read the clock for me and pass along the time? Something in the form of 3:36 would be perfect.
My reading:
3:15
